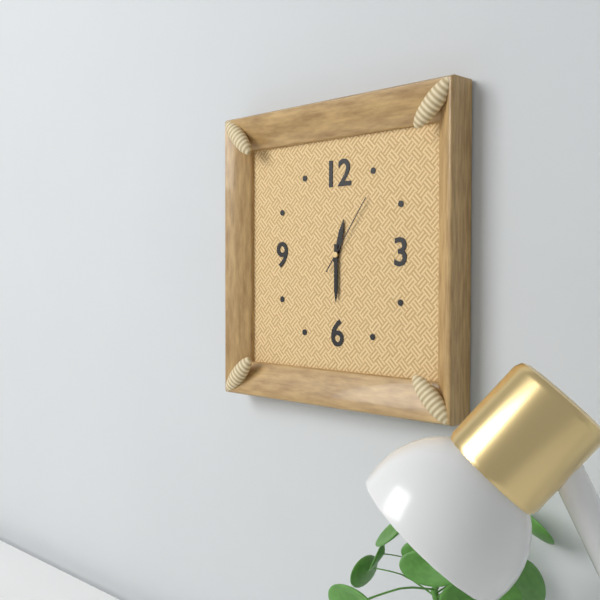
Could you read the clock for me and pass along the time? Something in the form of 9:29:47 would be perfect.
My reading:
12:30:06
